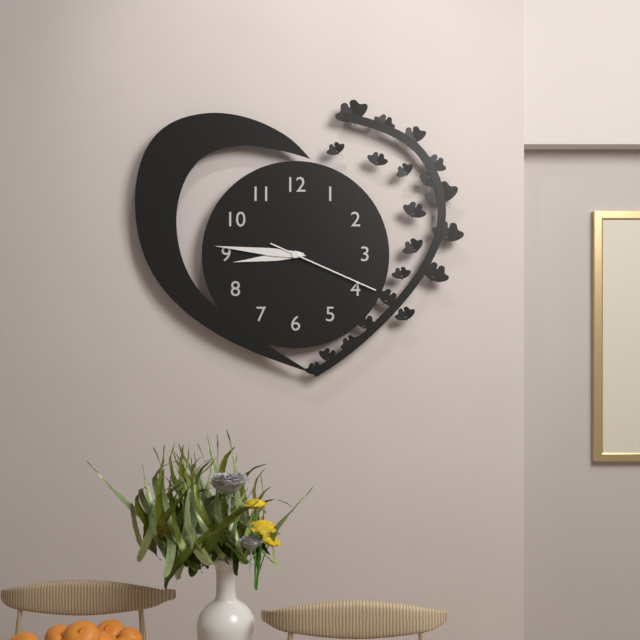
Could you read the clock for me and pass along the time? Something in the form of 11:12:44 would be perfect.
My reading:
8:46:19
